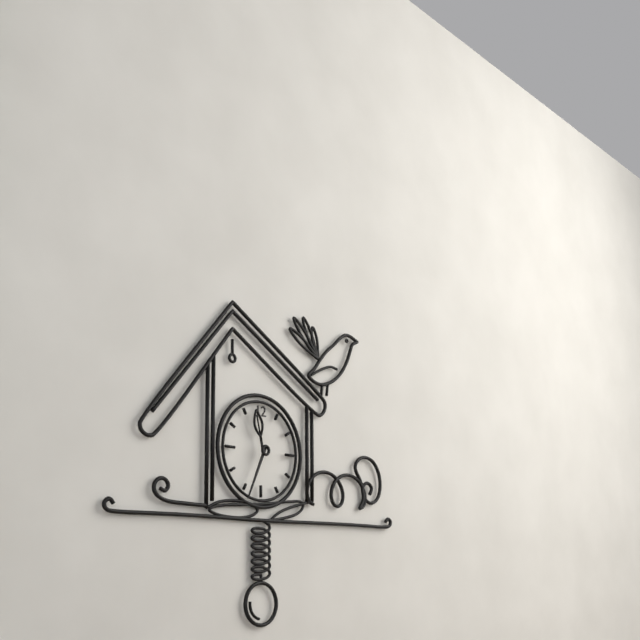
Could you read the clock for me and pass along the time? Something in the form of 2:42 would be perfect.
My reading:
11:34
